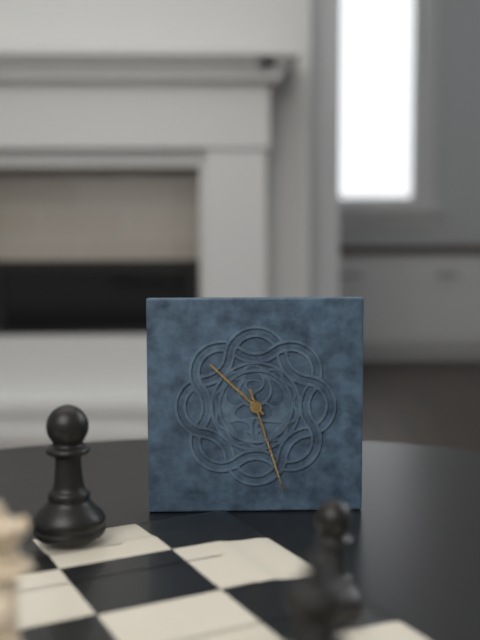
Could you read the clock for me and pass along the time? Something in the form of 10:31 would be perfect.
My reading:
10:27
